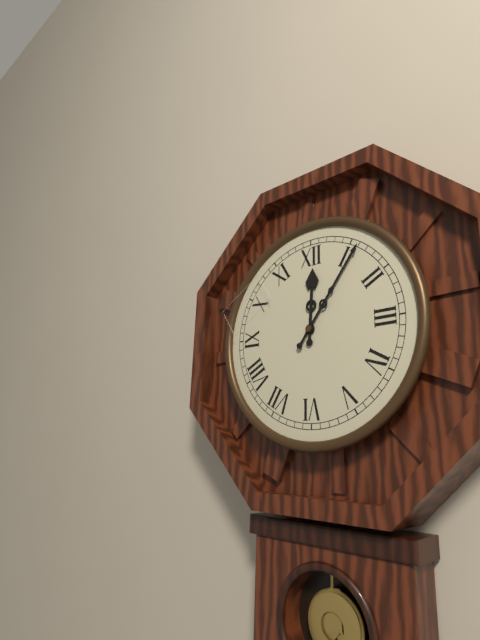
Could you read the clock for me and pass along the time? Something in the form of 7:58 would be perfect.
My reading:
12:06
